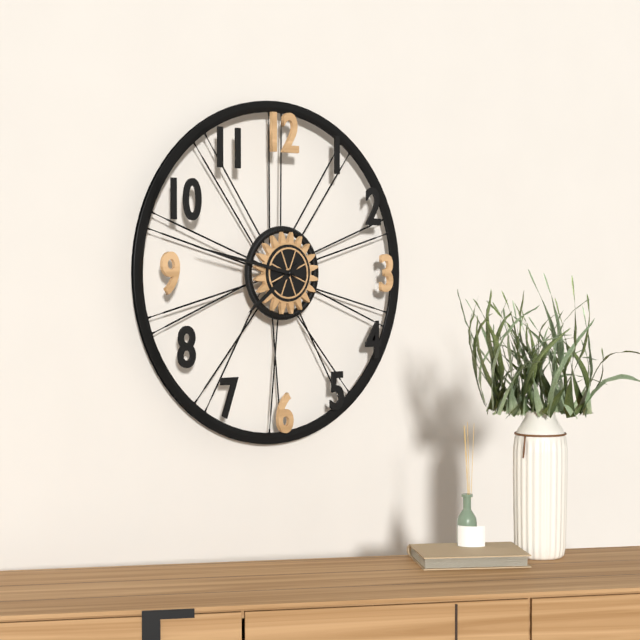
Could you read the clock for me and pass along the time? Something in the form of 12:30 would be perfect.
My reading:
7:47
